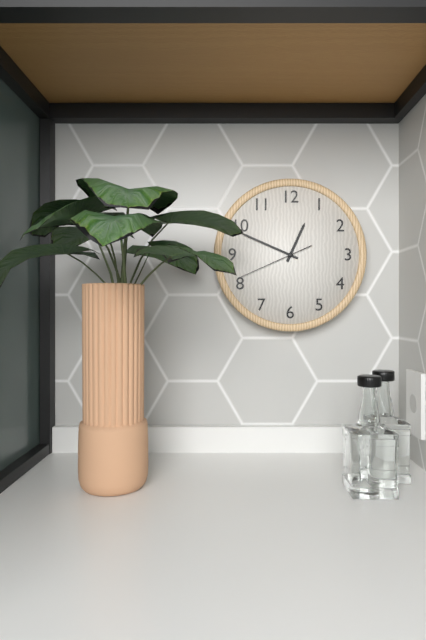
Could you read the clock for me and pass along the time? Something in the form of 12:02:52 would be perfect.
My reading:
12:49:41
